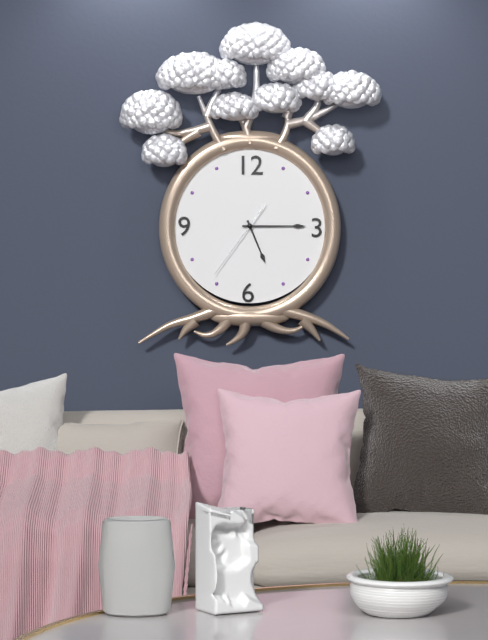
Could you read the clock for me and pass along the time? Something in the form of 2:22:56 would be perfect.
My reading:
5:15:36
